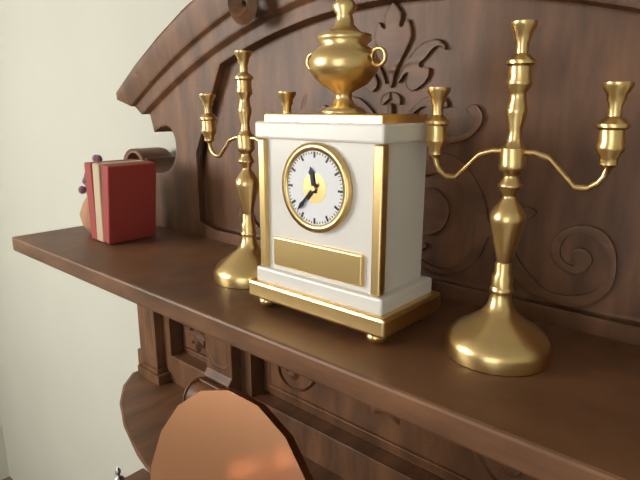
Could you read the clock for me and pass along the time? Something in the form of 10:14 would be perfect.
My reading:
11:37
